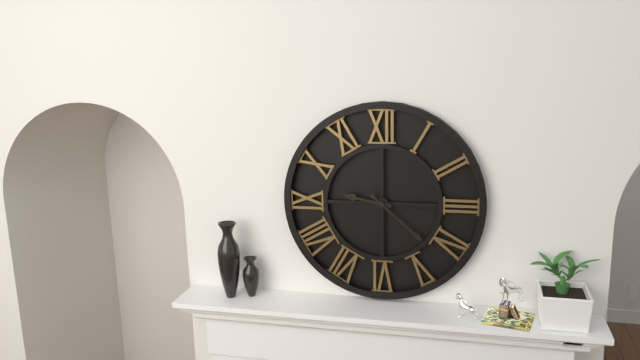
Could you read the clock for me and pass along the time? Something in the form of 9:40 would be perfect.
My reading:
9:22
